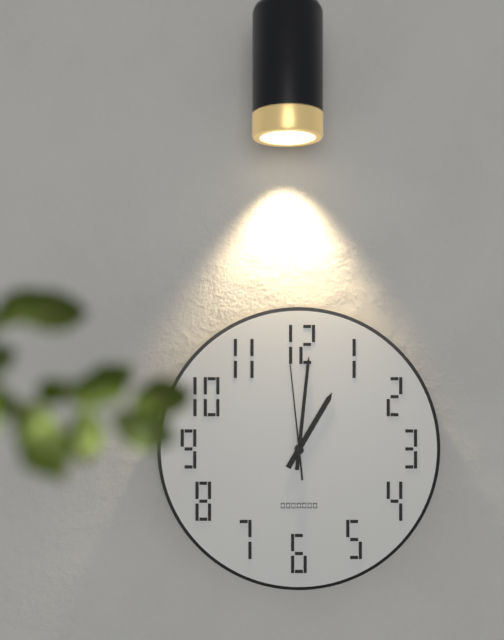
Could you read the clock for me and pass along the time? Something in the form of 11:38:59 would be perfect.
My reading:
1:01:59
